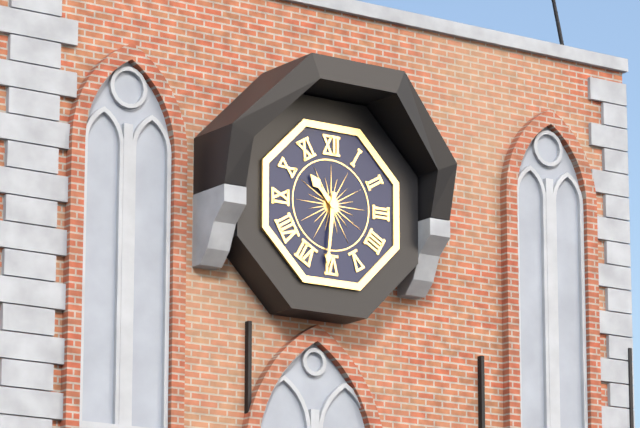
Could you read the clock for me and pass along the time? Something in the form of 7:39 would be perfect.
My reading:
10:31
